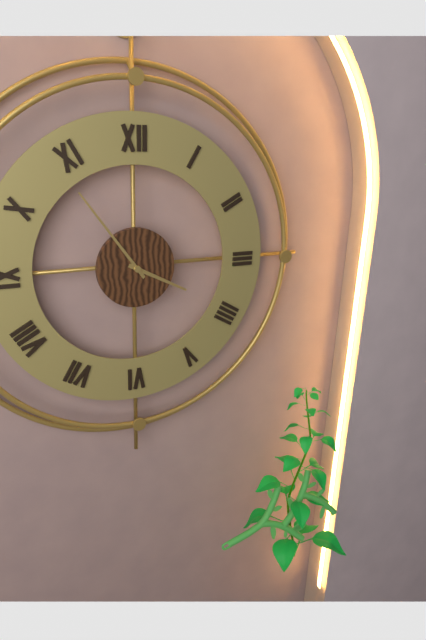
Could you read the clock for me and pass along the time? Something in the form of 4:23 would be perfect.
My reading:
3:54
